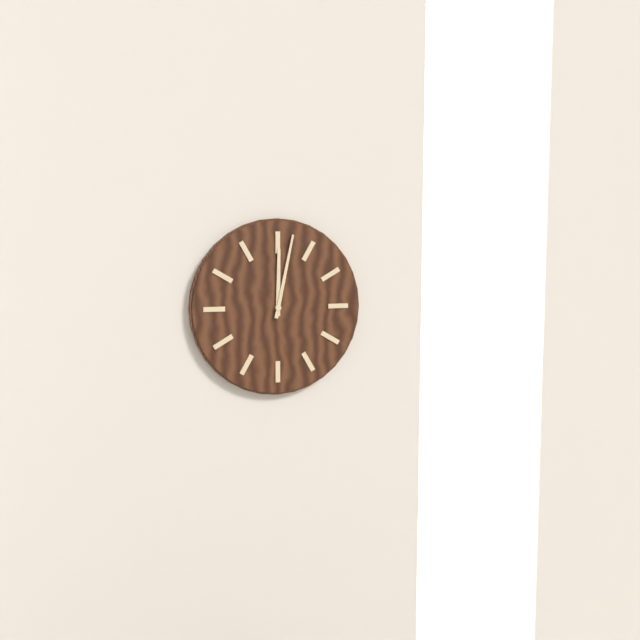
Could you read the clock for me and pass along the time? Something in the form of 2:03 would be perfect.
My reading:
12:02
